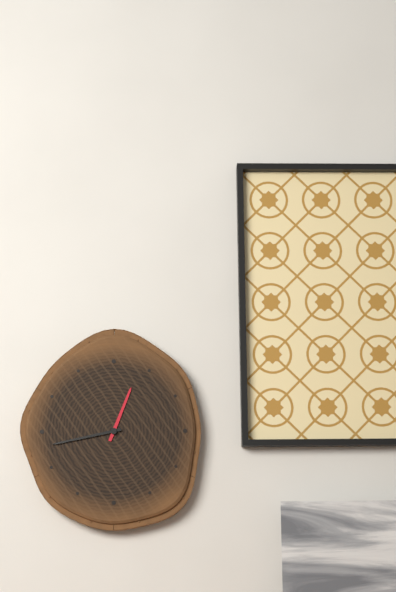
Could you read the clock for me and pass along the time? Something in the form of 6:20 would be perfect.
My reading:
12:43
